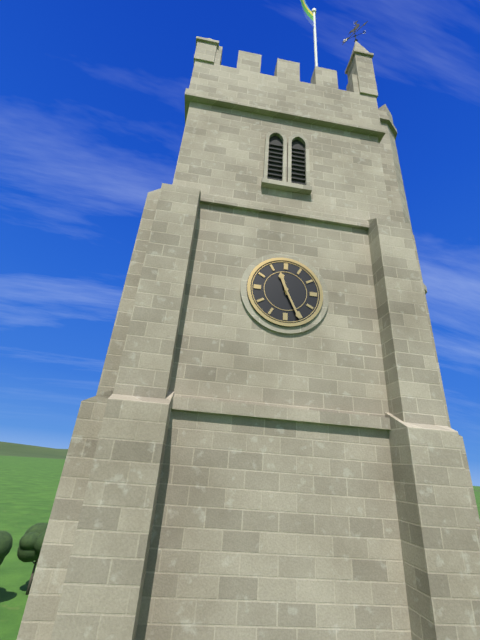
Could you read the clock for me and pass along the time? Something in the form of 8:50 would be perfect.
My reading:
11:26
